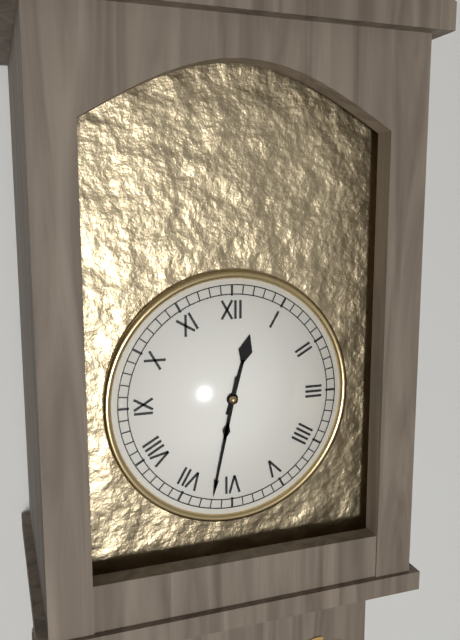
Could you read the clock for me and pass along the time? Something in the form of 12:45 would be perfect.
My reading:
12:32
